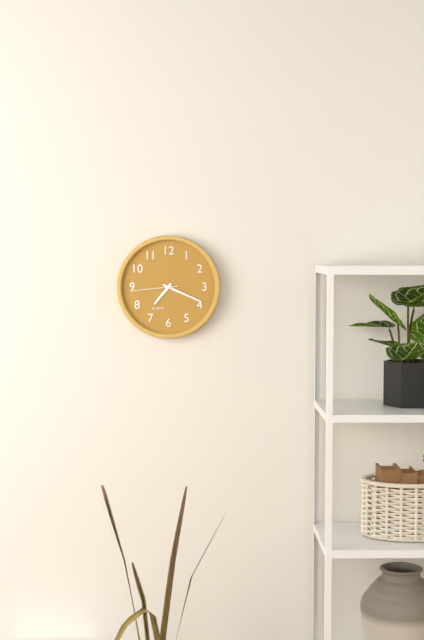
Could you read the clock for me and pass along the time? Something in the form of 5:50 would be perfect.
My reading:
7:19
